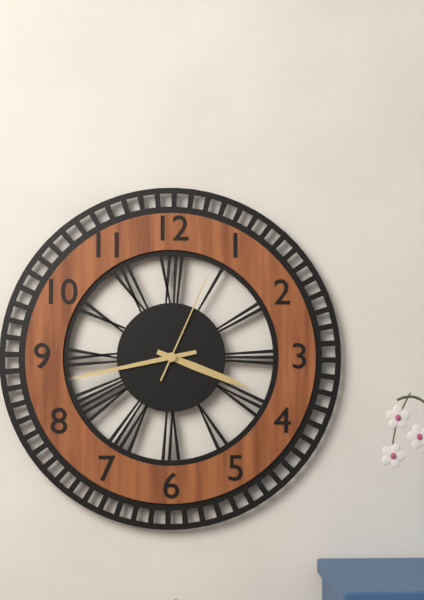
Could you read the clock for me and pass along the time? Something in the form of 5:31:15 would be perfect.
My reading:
3:43:04
